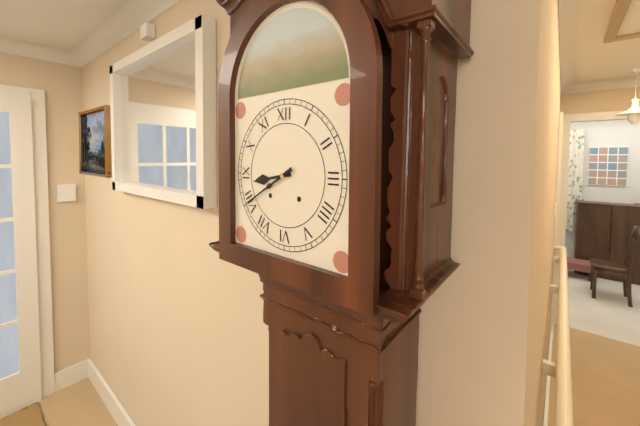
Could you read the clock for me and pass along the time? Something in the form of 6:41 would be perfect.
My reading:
8:40
